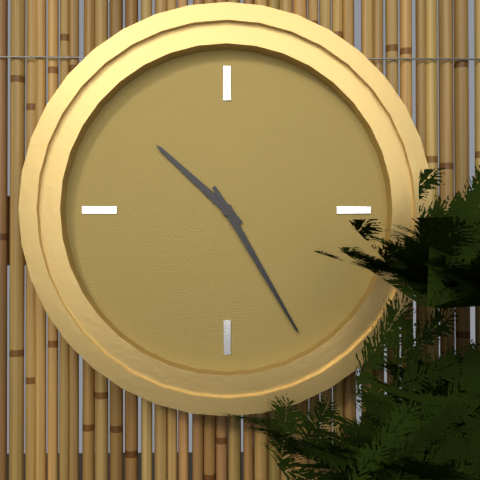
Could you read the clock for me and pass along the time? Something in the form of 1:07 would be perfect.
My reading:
10:25
